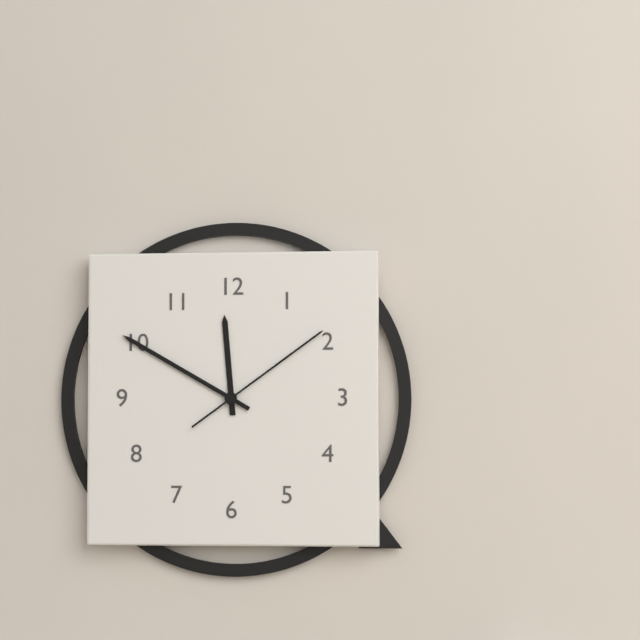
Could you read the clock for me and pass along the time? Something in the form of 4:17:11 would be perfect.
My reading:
11:50:09
